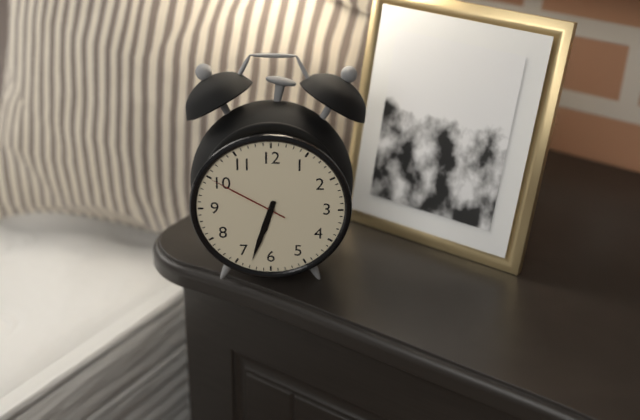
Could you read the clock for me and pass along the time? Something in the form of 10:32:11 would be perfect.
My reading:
6:33:50
